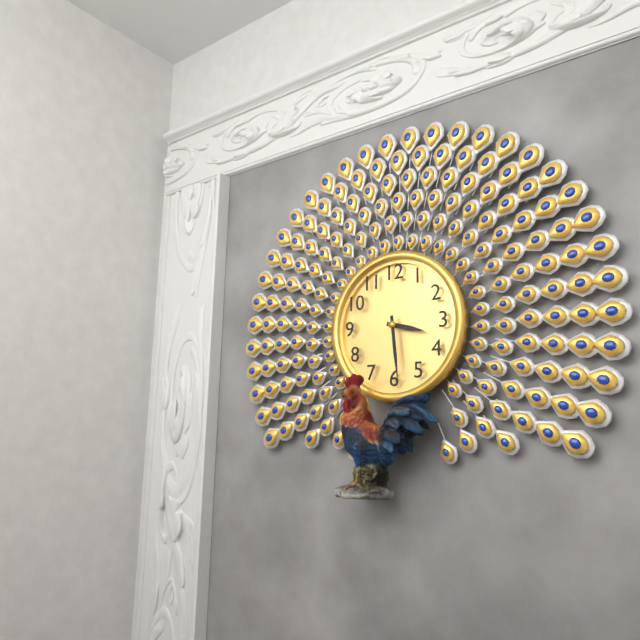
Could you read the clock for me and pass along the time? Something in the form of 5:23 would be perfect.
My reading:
3:29
